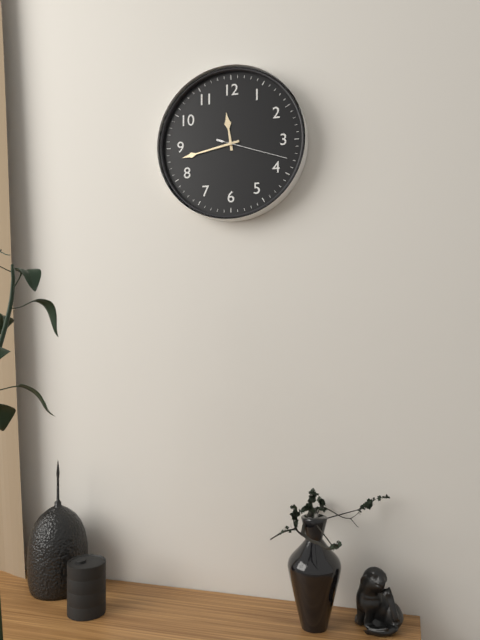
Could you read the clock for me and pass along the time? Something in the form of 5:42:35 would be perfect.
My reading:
11:43:18
